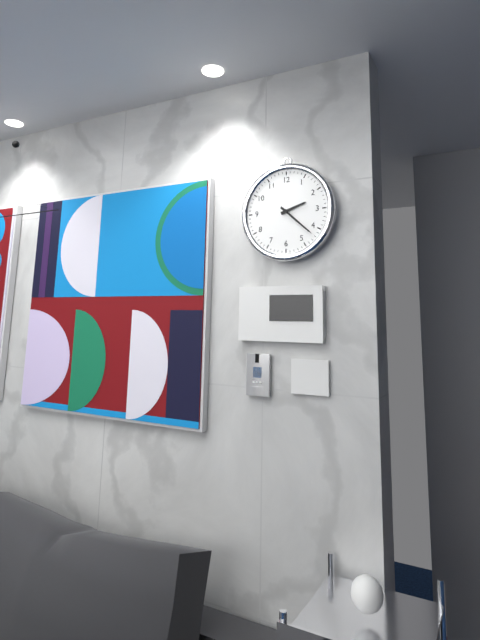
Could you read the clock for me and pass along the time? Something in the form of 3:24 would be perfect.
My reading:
2:22
